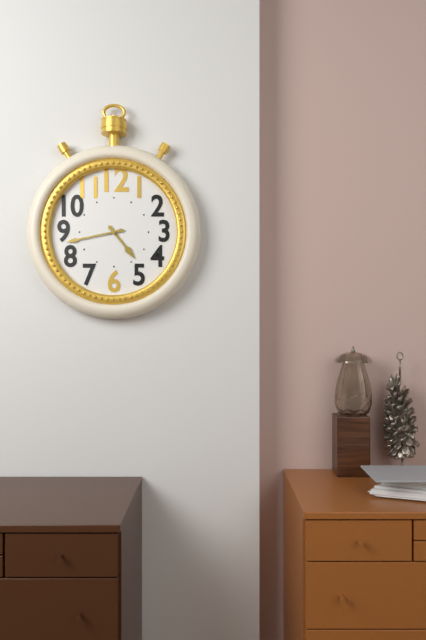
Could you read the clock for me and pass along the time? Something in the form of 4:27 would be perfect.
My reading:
4:43
